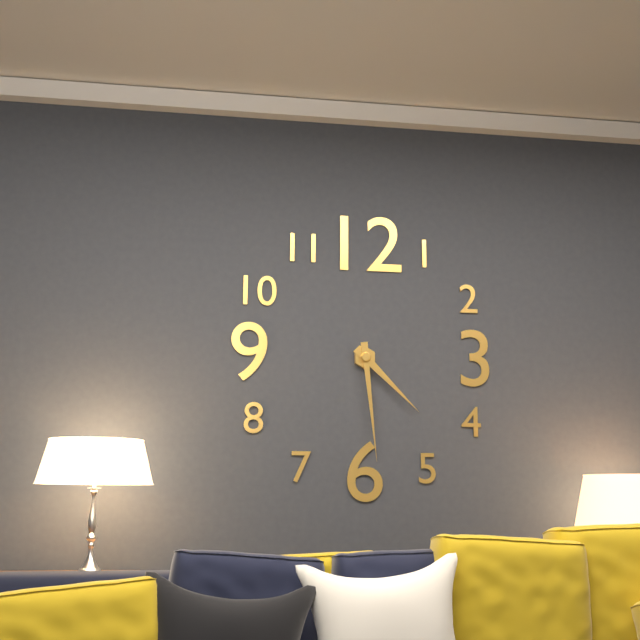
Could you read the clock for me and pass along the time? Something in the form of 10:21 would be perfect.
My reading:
4:29
